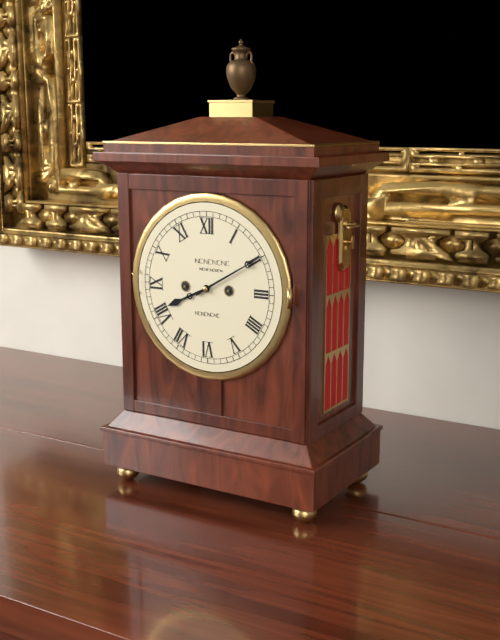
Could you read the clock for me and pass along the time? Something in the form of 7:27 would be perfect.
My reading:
8:10
